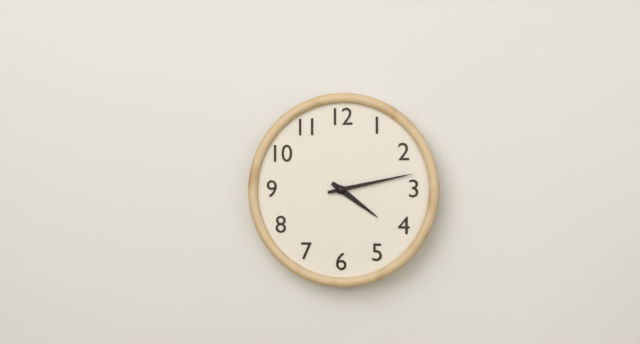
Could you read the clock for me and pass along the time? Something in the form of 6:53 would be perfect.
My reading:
4:13
